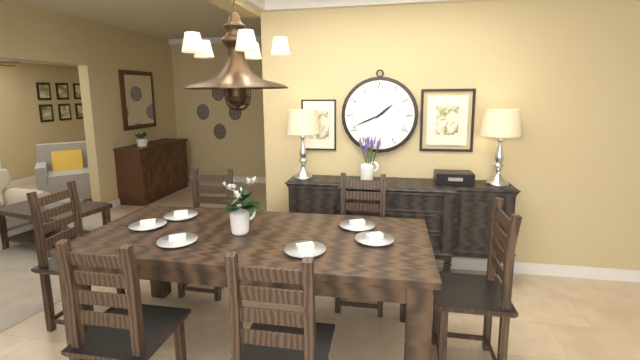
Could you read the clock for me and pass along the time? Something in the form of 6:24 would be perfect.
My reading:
1:41
